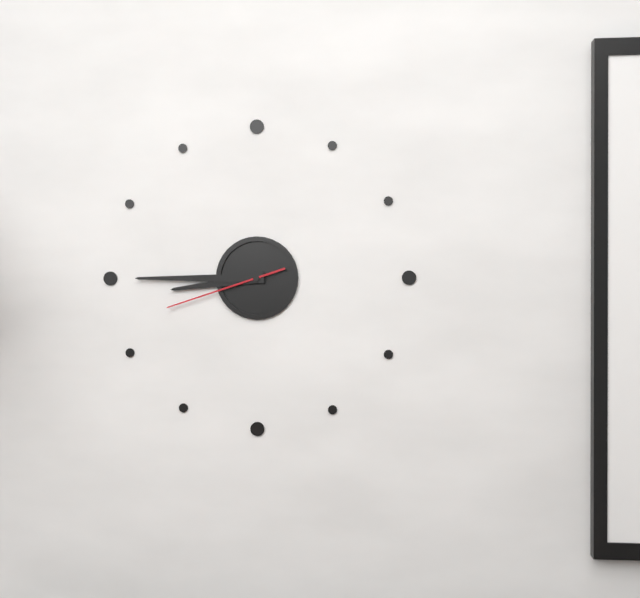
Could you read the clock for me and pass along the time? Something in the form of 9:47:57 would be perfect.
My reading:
8:45:42
